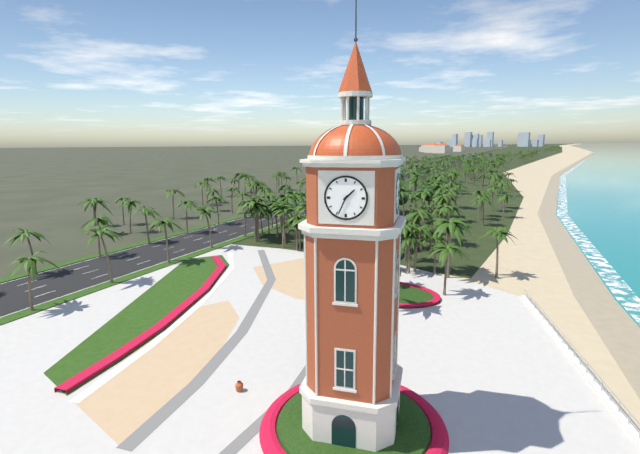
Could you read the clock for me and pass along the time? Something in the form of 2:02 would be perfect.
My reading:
1:34
